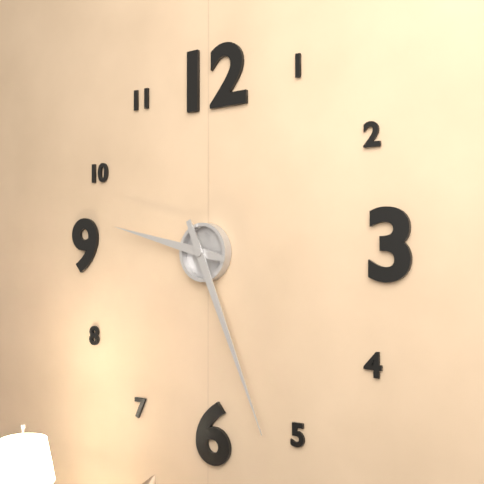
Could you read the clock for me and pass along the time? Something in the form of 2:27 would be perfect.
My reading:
9:26
